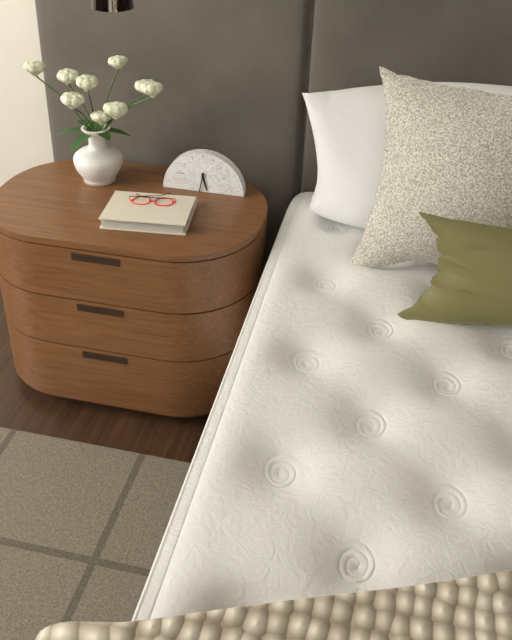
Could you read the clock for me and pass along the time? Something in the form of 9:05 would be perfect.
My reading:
5:32
